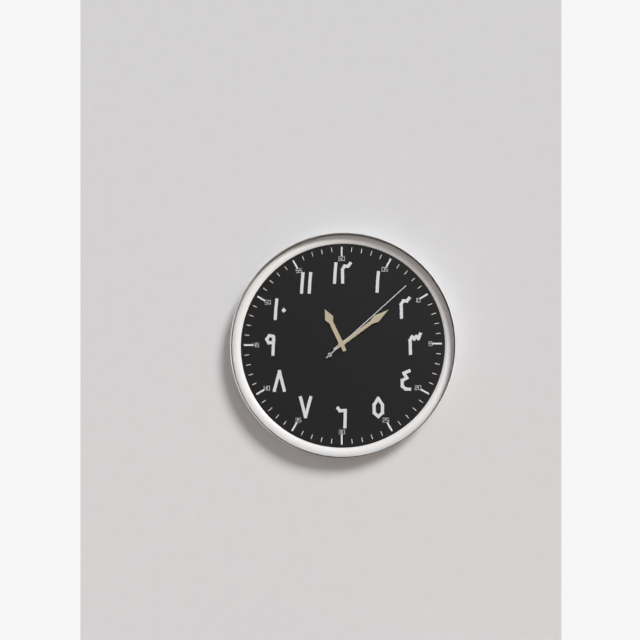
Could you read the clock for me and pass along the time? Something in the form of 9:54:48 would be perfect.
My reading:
11:09:08
